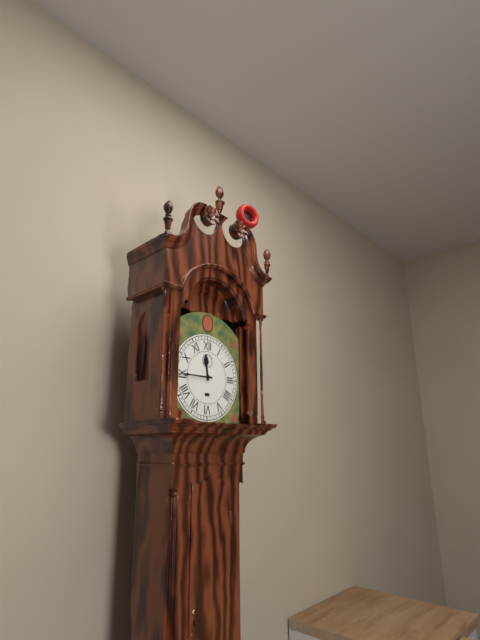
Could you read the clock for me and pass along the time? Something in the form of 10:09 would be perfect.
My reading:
11:45
